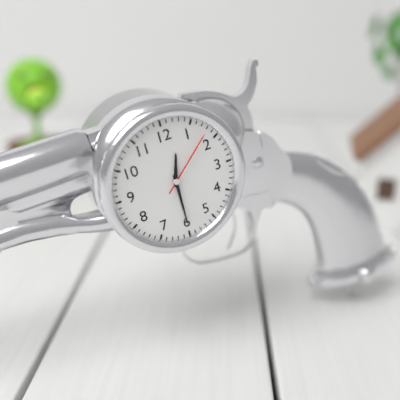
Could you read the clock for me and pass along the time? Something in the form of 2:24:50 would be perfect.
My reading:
12:30:08
